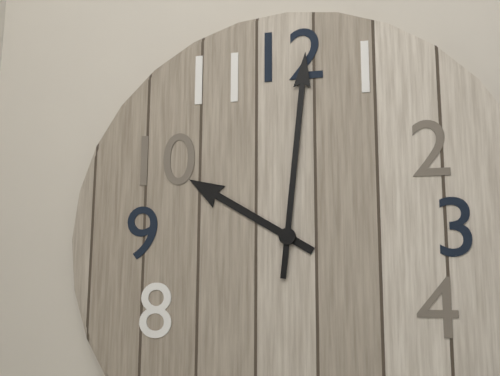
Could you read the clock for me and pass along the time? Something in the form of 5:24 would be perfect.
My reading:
10:01
